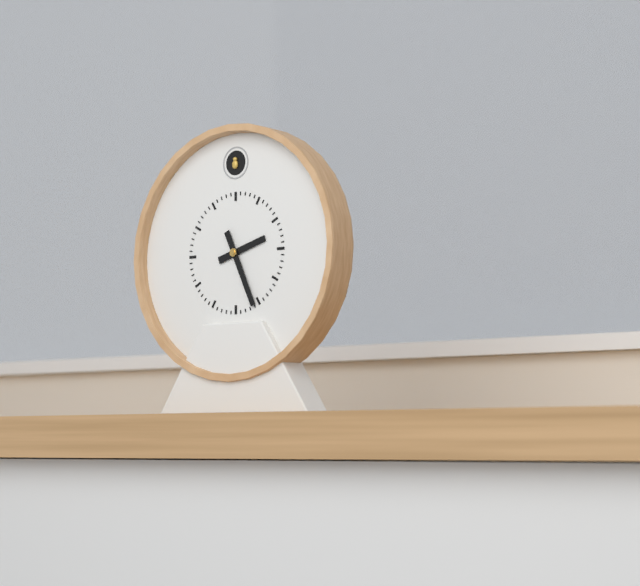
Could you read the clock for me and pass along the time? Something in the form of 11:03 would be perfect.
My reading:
2:26
